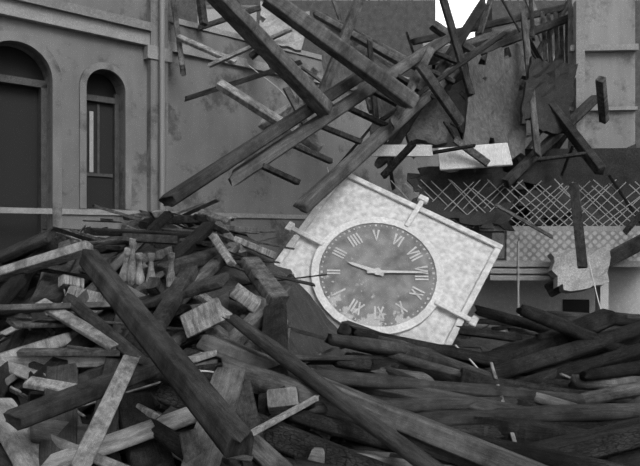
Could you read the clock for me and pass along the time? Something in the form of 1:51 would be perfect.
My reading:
2:40
